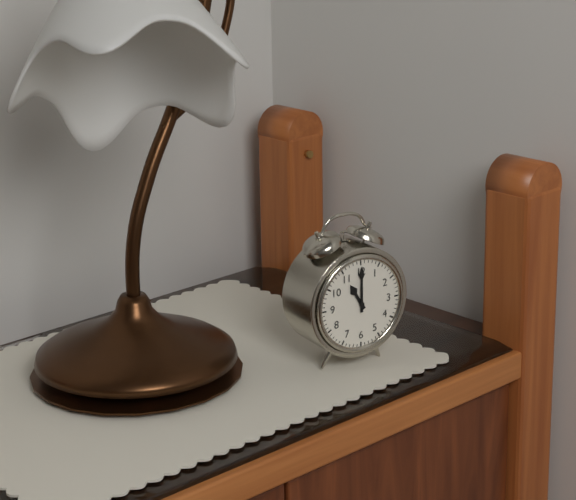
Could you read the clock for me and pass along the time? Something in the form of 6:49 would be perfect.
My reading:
11:00
